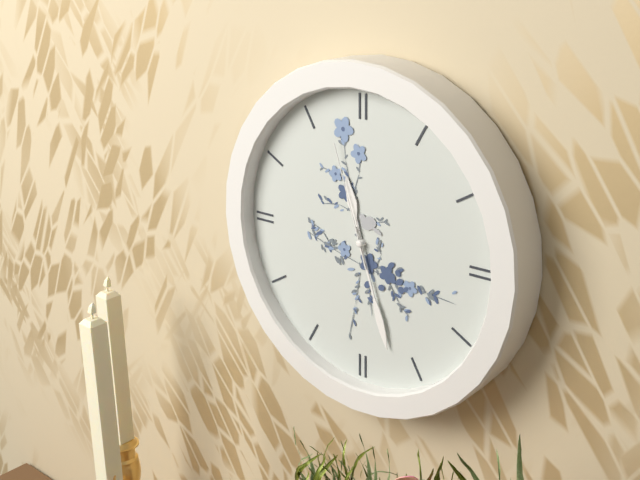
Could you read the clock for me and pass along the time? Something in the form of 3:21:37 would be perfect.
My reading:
11:27:57
